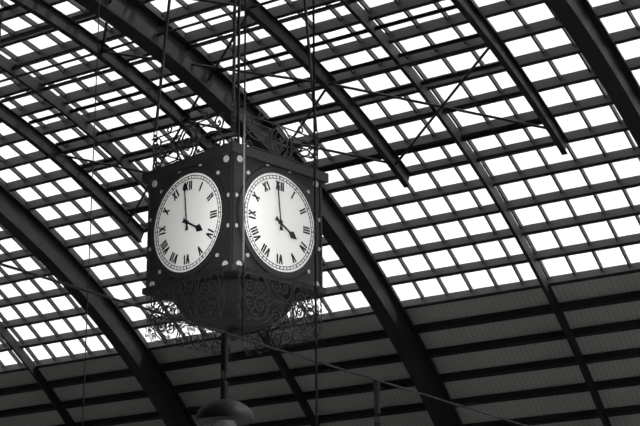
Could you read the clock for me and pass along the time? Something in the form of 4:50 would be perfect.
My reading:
3:59
